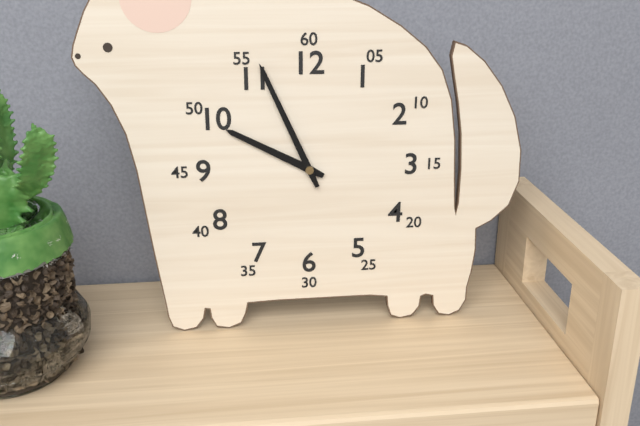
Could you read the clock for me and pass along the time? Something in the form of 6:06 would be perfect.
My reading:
9:56
